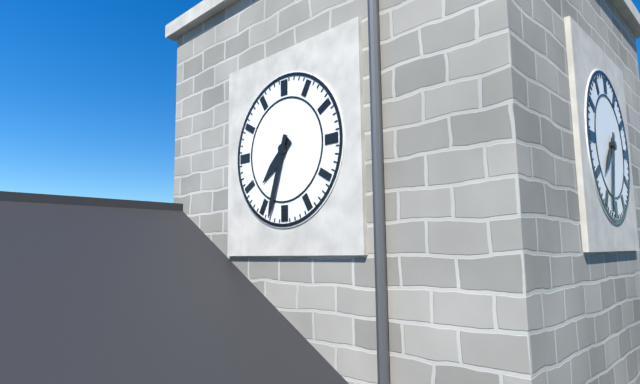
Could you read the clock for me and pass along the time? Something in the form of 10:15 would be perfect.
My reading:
7:33
